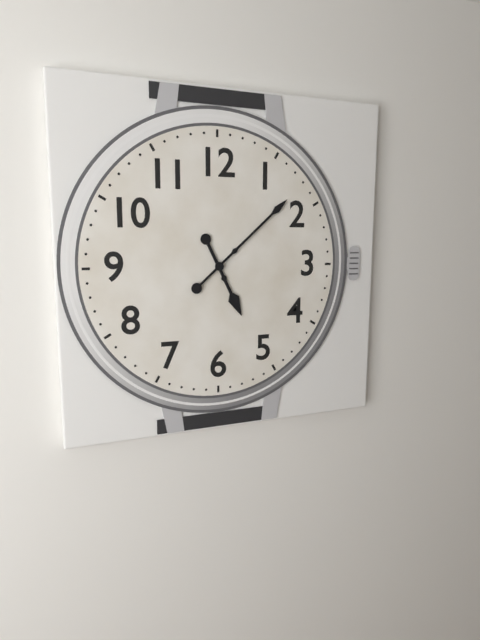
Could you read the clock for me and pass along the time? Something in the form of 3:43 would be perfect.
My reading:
5:08
